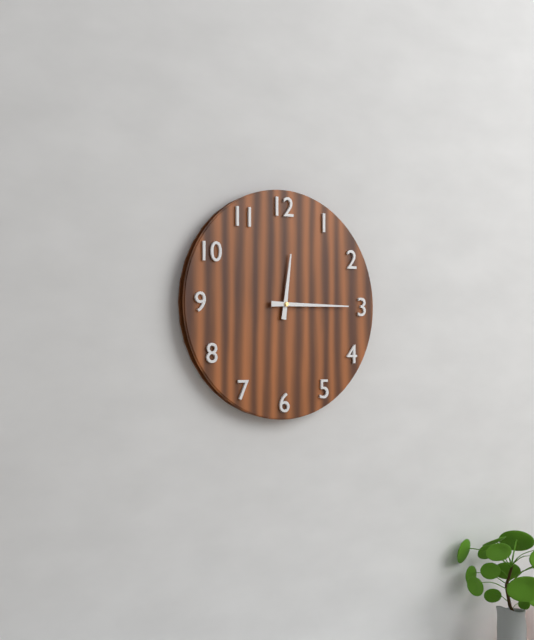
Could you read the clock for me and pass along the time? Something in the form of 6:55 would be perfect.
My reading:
12:15
